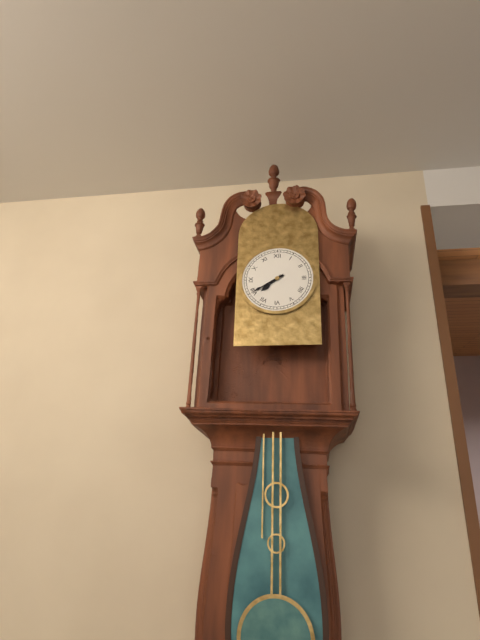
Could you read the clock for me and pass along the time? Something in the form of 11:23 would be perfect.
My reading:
7:40
